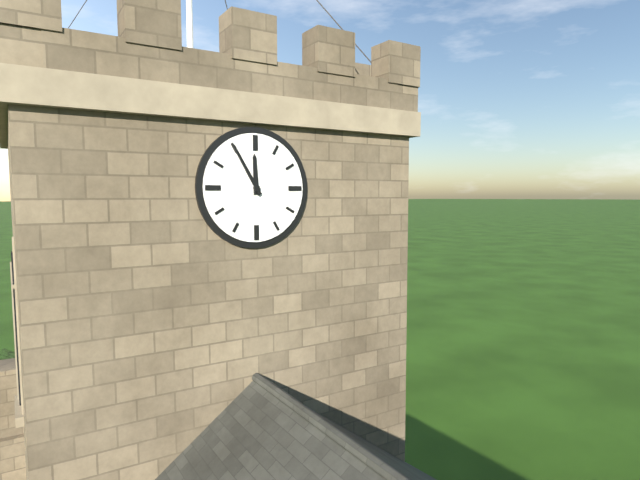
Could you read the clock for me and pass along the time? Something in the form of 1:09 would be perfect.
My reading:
11:55
